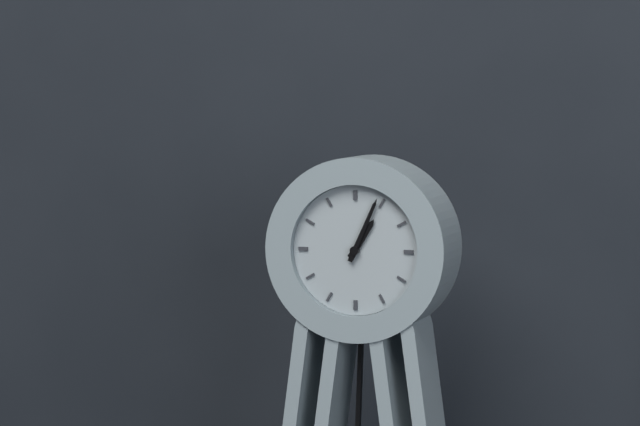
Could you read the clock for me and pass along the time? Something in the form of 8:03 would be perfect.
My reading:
1:04
